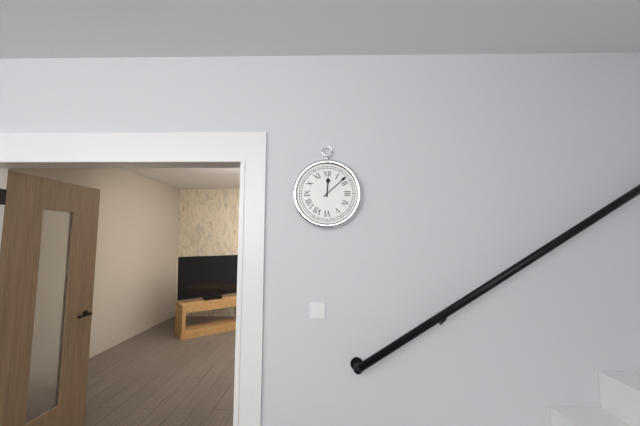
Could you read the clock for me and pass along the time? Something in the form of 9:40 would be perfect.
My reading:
12:08
